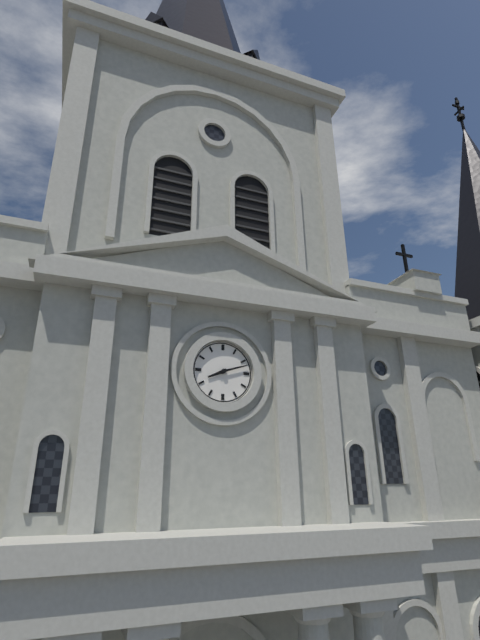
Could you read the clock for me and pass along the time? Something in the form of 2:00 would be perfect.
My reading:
8:12
